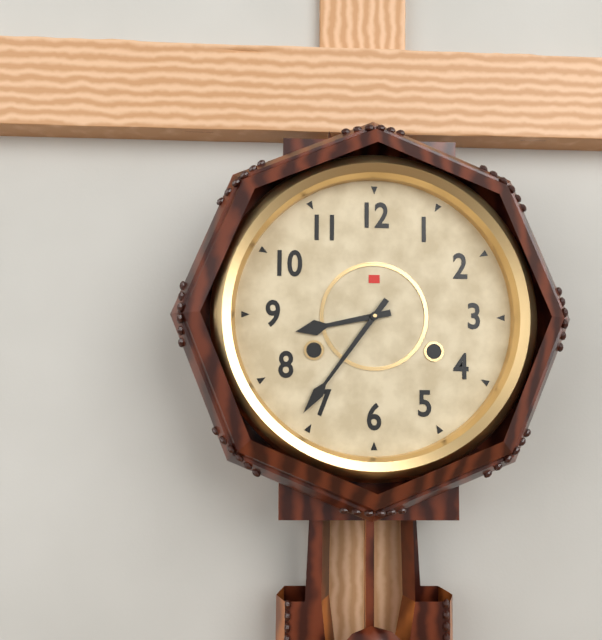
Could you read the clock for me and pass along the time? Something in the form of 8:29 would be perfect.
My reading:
8:36
